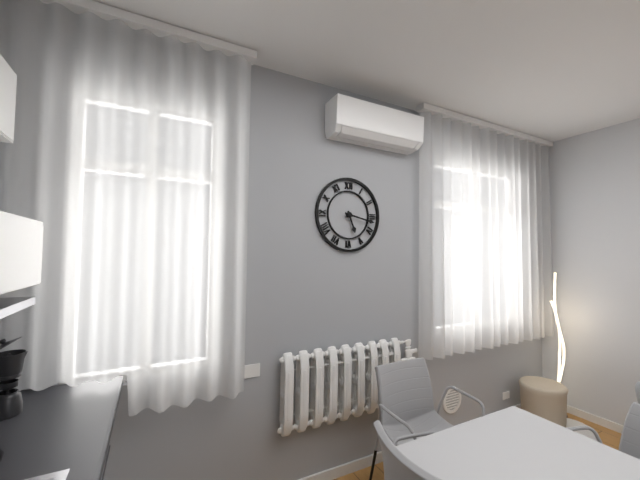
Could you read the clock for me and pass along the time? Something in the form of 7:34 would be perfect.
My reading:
5:17
